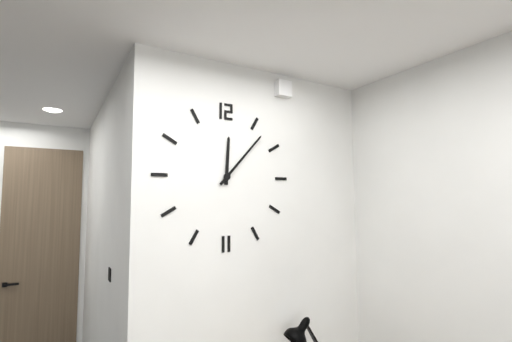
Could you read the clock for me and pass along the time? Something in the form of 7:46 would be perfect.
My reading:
12:07
